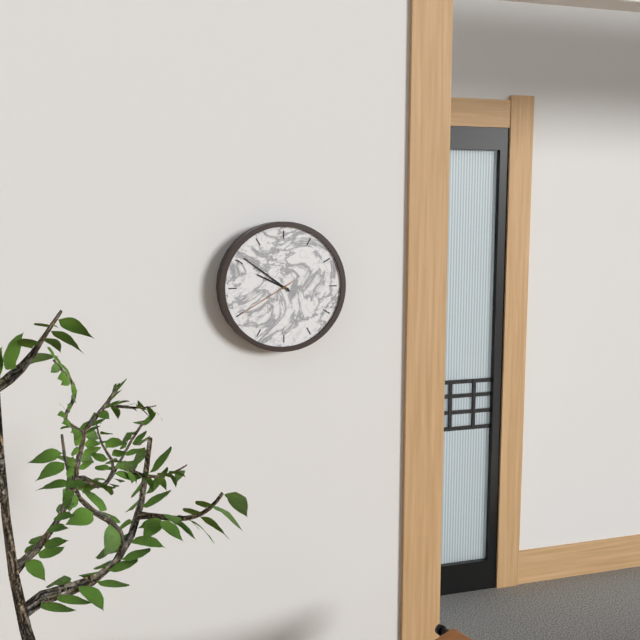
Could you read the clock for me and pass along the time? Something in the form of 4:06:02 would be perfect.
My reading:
9:51:40
